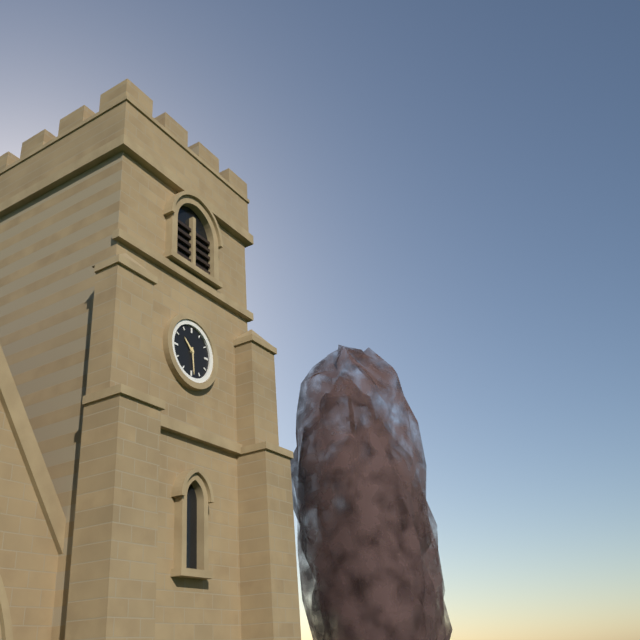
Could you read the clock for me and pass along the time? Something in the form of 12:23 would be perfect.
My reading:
10:29
